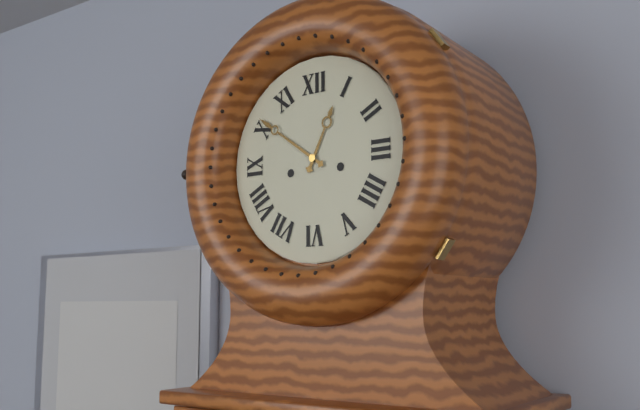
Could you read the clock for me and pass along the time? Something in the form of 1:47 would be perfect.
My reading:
12:51
